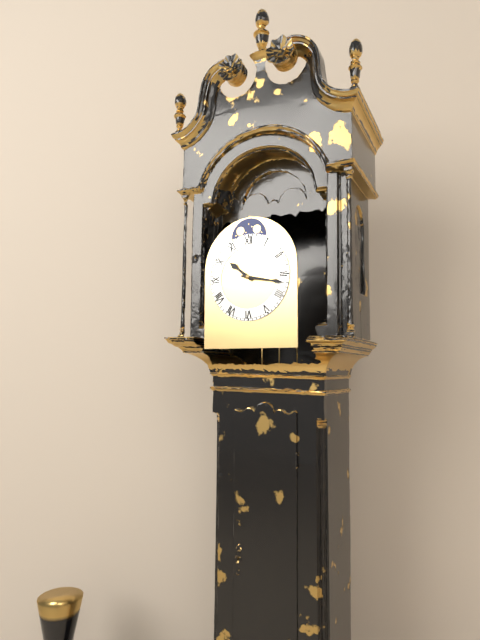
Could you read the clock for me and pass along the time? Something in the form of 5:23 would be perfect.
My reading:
10:17
